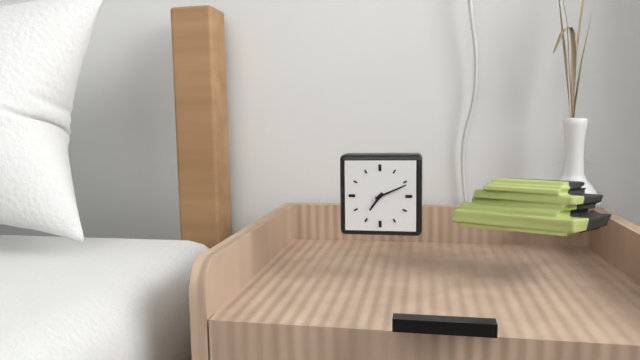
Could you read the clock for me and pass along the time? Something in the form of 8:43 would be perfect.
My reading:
7:11
